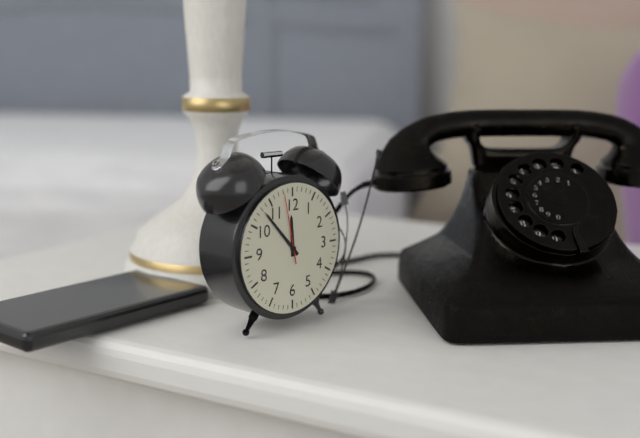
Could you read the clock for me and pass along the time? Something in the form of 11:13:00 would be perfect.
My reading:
11:53:58
